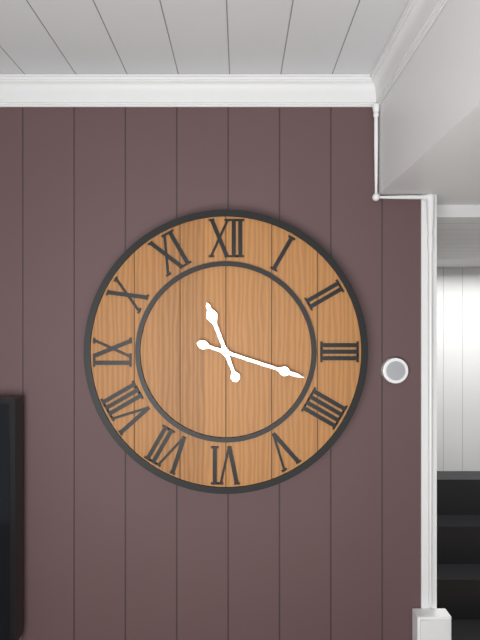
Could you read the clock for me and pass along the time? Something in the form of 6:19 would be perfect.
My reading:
11:18
